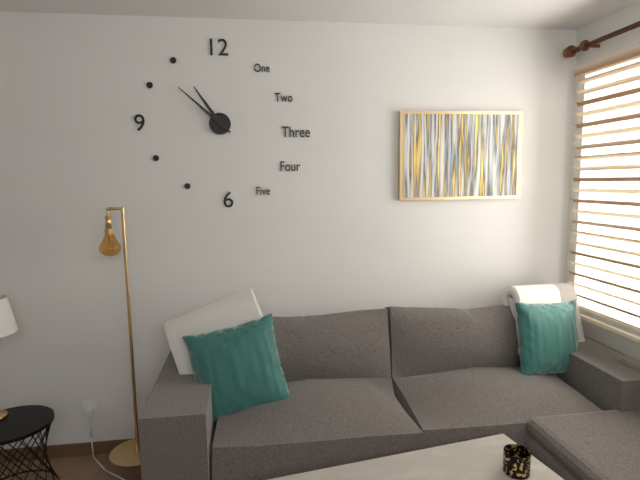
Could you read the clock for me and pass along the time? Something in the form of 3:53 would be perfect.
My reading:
10:52
